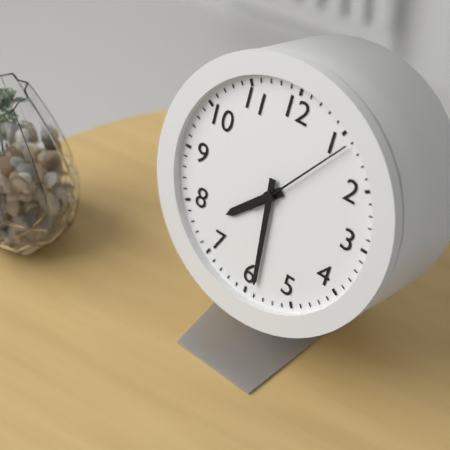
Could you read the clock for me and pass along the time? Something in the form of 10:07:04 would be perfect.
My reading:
7:29:06
